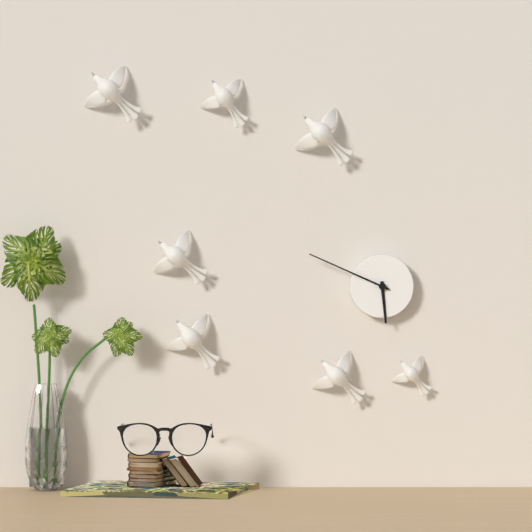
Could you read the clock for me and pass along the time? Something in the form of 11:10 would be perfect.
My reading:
5:49
